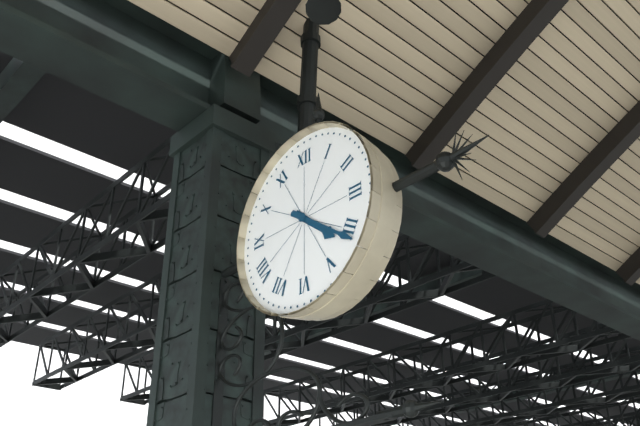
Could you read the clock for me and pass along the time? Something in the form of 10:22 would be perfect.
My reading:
4:21
